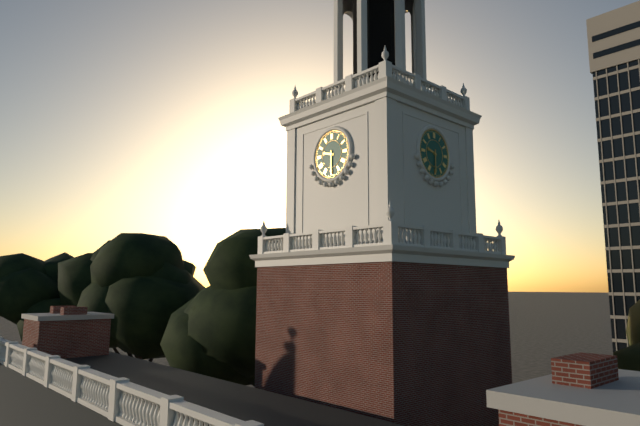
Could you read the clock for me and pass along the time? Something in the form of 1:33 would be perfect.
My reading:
9:30
